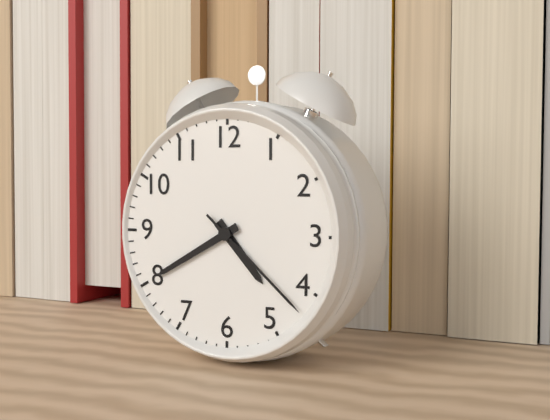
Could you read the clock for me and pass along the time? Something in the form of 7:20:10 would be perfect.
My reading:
4:40:22
